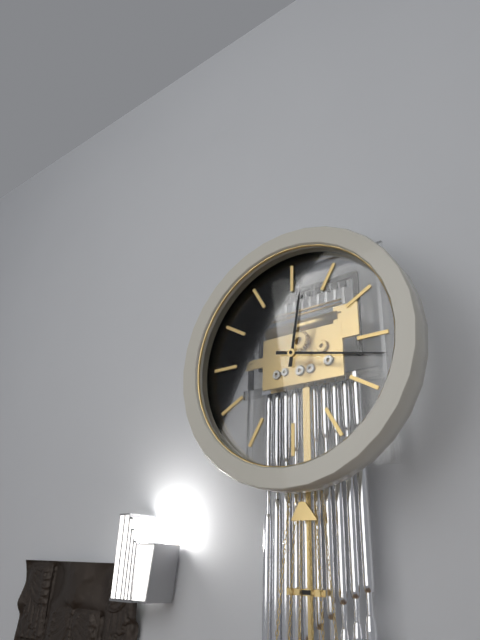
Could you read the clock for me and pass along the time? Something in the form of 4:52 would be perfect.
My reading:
12:17
